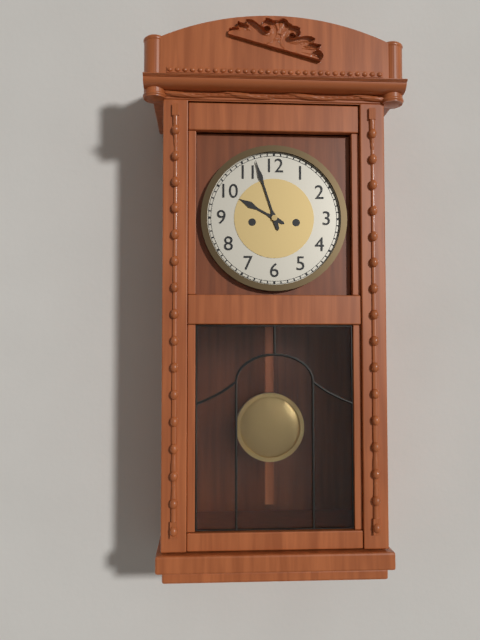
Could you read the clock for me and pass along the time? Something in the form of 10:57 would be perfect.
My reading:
9:57
